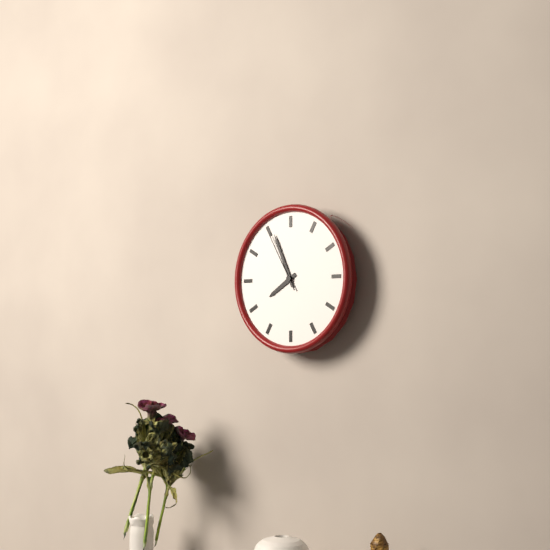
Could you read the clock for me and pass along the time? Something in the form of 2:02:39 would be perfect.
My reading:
7:56:55
